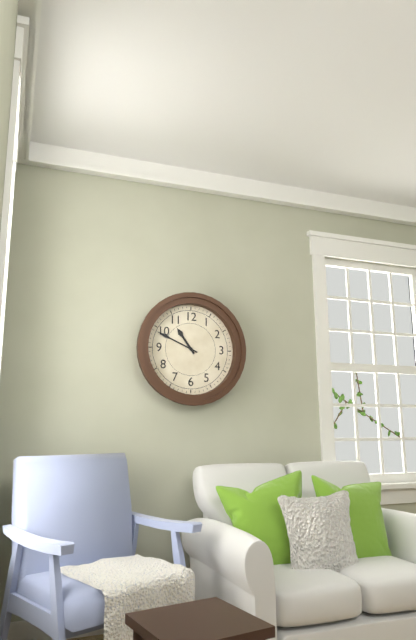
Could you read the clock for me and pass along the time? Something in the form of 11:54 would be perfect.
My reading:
10:49
